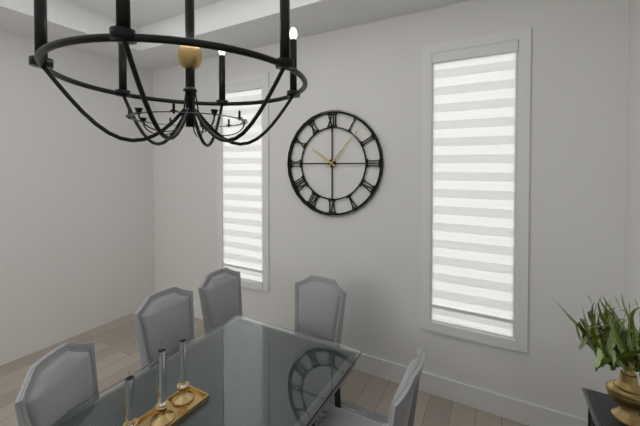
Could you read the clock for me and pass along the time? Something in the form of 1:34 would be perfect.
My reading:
10:07
